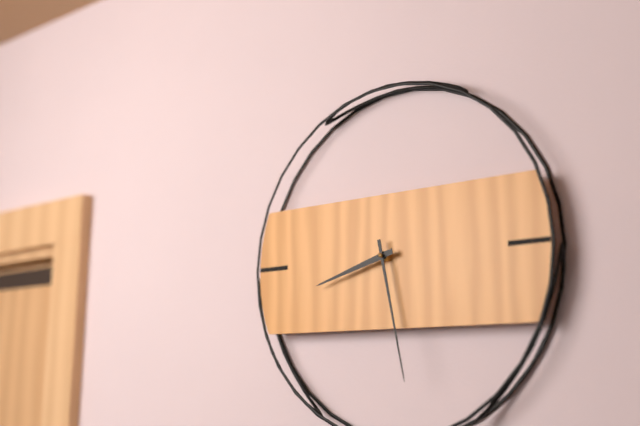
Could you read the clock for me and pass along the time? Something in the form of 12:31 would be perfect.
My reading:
8:28
